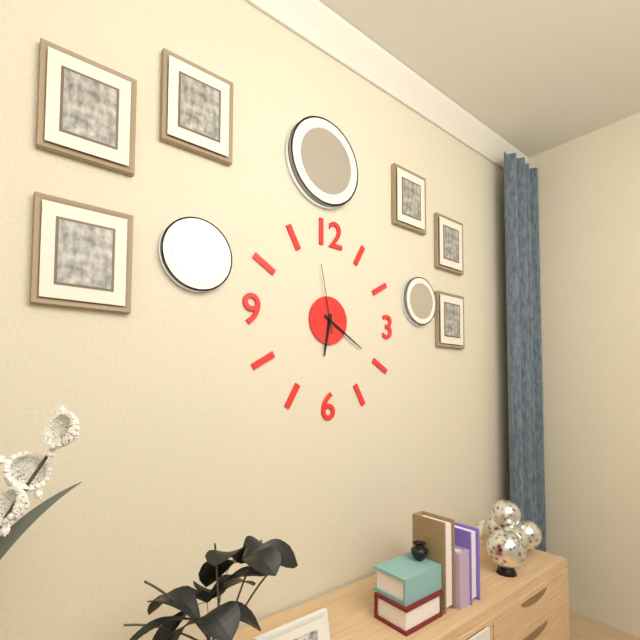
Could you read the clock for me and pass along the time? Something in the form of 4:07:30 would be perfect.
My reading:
6:20:58
